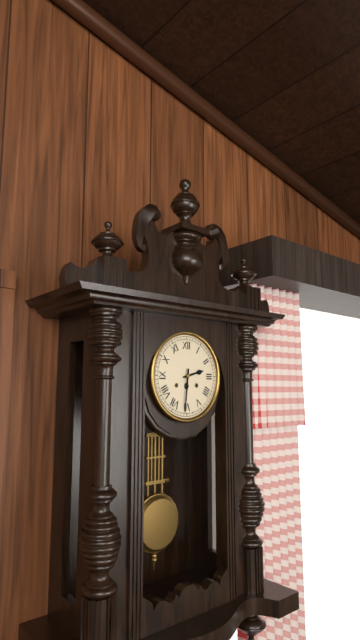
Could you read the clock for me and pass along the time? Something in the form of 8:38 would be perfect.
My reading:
2:31
